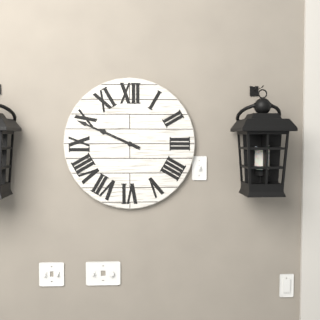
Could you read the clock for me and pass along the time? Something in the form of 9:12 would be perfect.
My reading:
9:49
